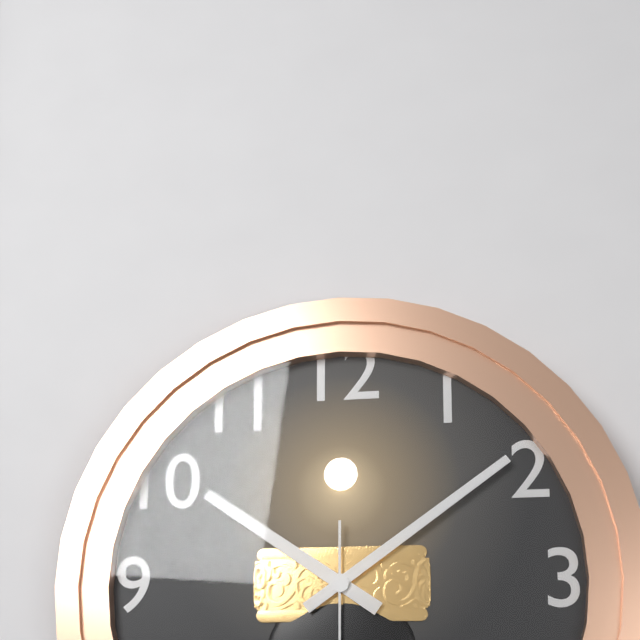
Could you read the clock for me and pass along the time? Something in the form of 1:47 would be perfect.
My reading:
10:09
